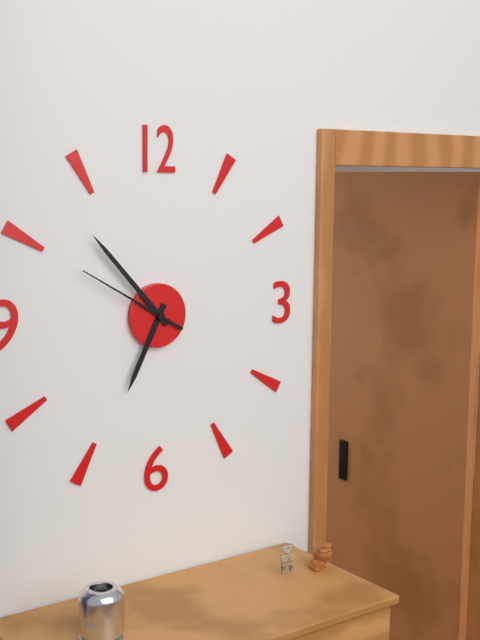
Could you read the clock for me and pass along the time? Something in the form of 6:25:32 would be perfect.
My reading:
6:53:50
